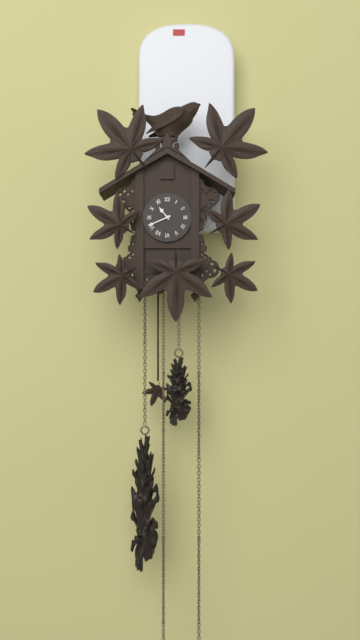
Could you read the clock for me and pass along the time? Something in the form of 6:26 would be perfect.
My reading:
10:41
